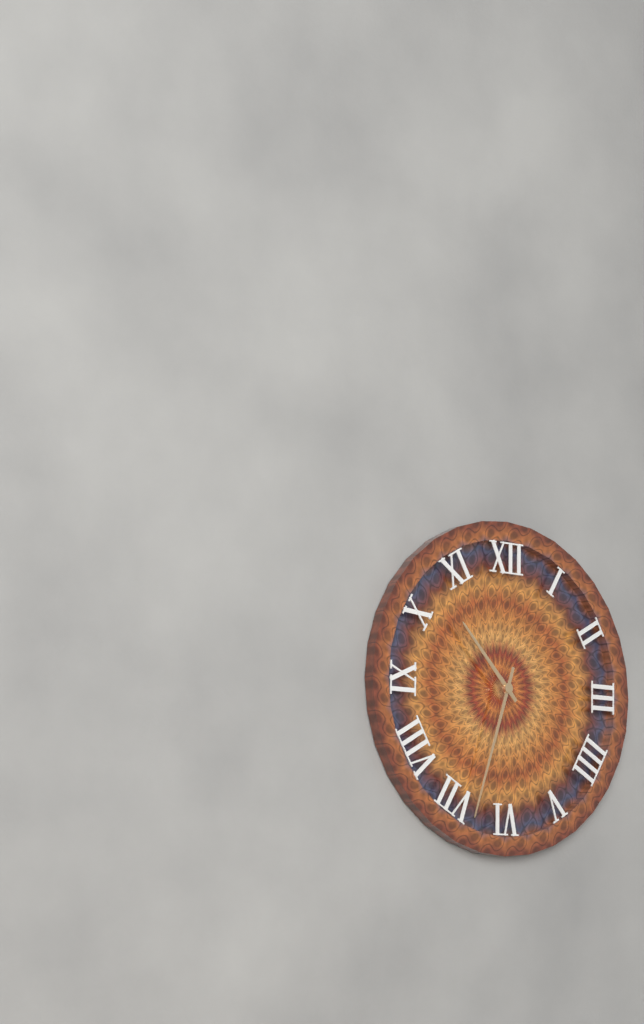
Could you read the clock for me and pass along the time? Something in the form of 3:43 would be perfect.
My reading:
10:33
